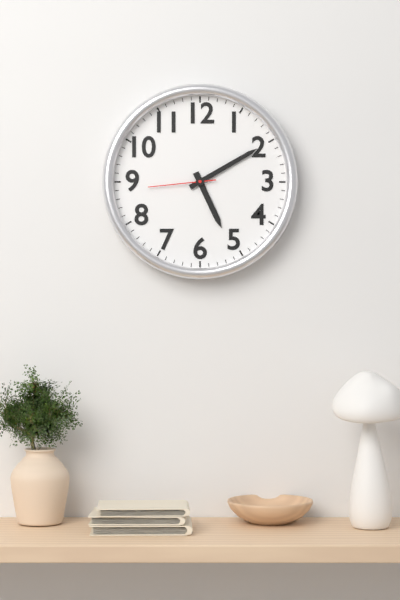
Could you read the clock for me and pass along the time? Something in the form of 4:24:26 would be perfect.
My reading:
5:10:44
